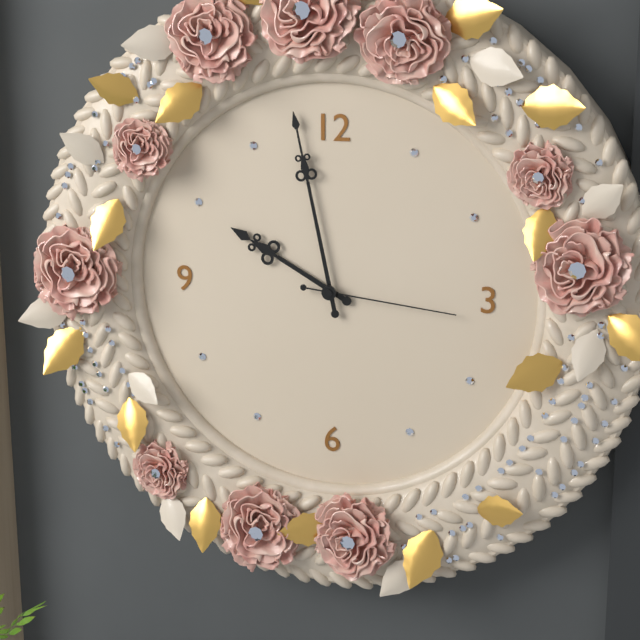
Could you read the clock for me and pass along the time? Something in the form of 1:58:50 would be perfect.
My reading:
9:58:16
